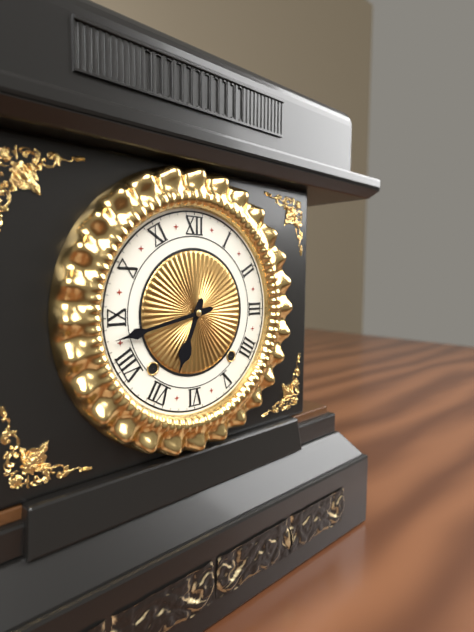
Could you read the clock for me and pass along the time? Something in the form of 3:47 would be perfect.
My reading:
6:43
